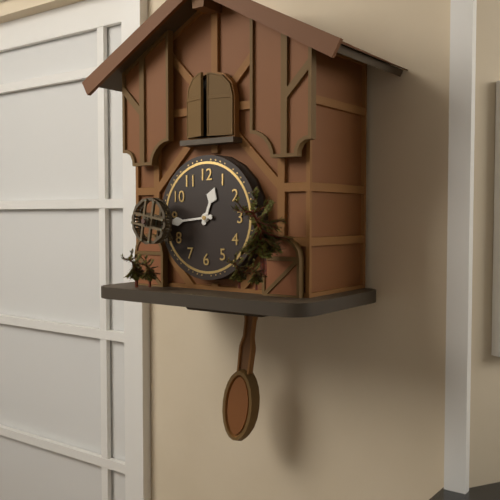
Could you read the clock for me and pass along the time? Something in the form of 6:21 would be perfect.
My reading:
12:44
